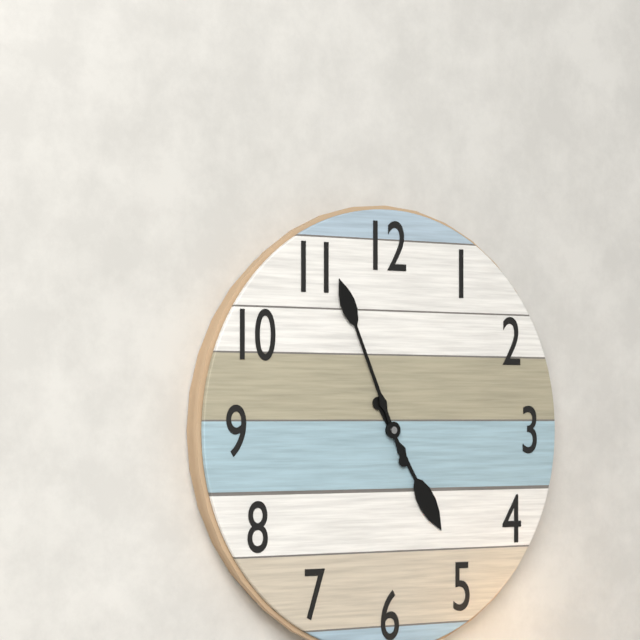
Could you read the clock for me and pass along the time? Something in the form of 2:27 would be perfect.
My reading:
4:56
